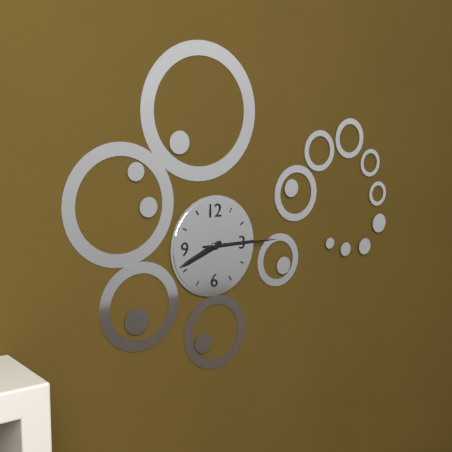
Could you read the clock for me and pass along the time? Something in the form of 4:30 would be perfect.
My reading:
8:15
